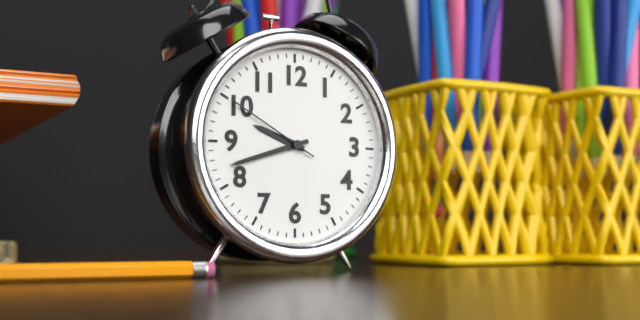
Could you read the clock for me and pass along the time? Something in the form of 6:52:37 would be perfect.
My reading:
9:42:50
